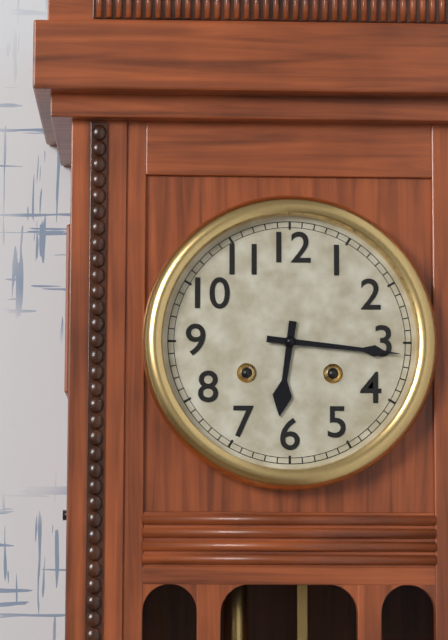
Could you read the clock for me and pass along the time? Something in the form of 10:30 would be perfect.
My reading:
6:16
